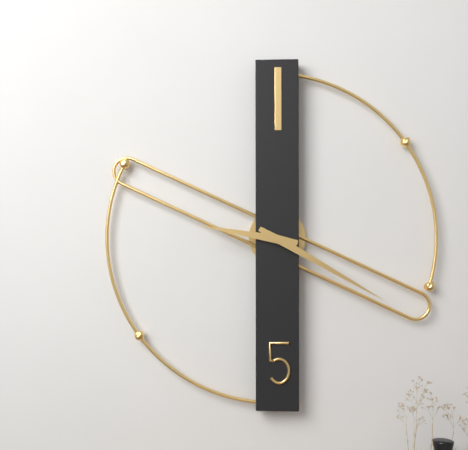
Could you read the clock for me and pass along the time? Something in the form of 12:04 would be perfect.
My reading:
9:20
